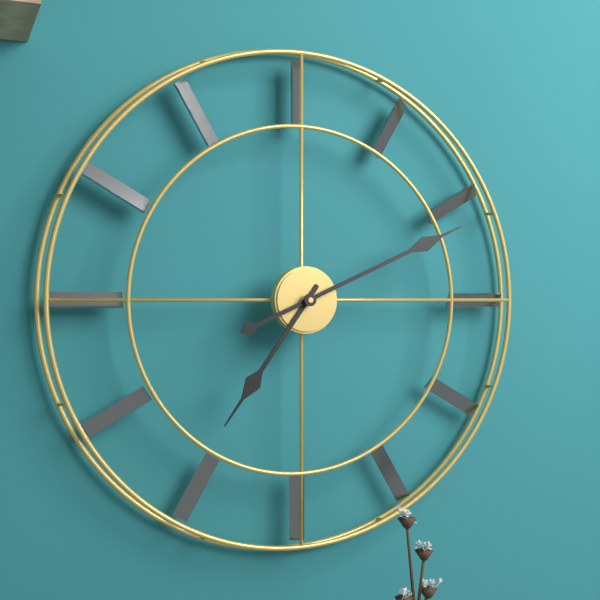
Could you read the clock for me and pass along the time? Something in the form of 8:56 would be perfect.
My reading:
7:11
